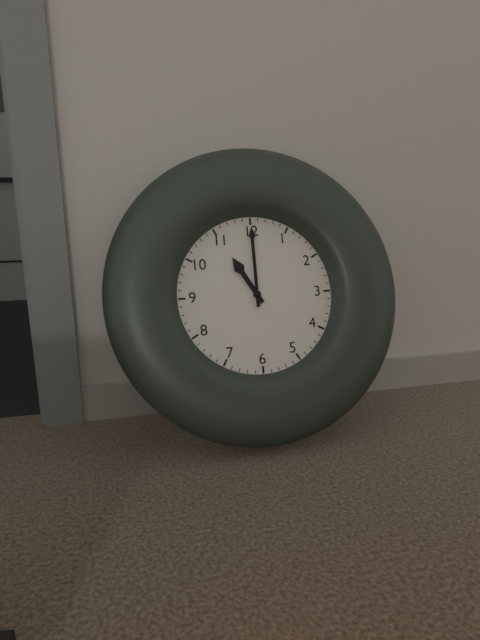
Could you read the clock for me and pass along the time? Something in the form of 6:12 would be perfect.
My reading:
11:00
